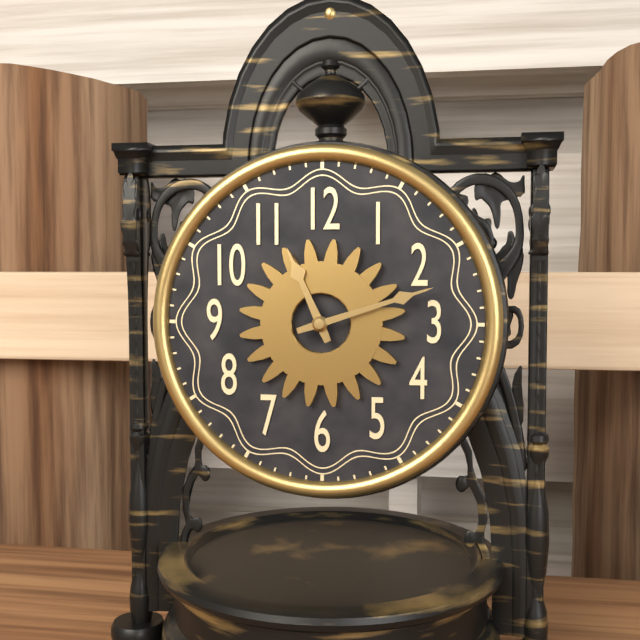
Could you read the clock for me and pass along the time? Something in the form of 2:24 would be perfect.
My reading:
11:12
